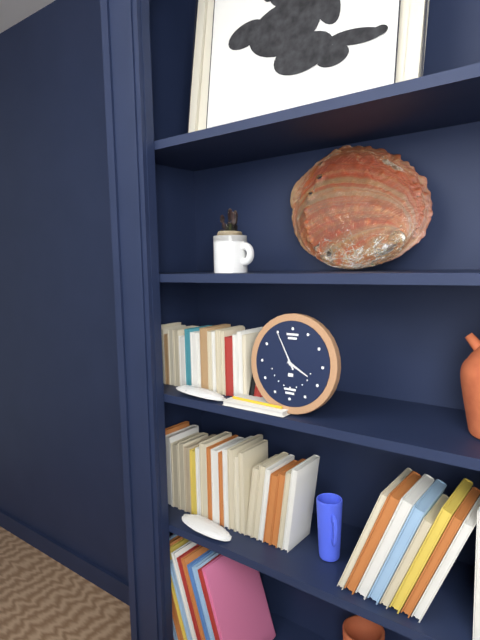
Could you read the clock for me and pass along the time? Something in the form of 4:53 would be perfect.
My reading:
3:55
